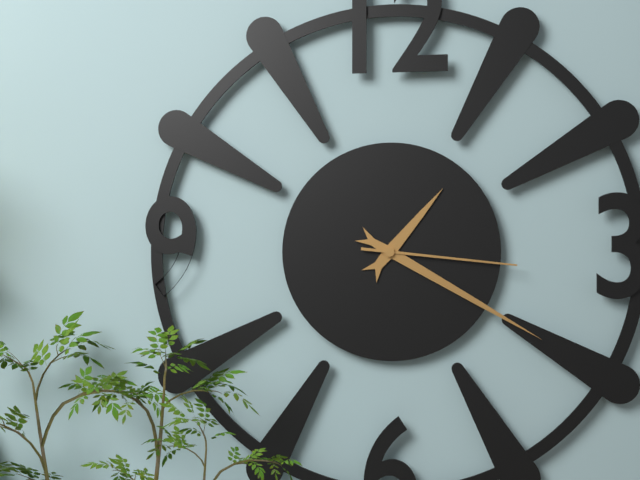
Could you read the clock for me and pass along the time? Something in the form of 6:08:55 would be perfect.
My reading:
1:20:16
